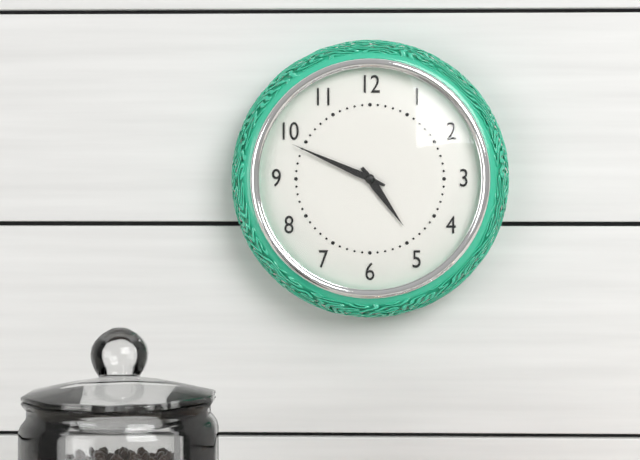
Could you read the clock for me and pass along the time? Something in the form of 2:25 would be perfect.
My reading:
4:49
